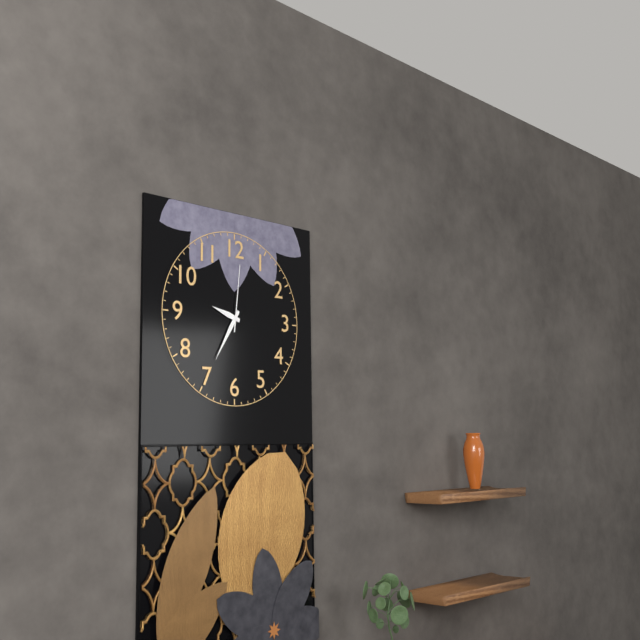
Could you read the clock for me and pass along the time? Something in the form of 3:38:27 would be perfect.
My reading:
9:35:01
